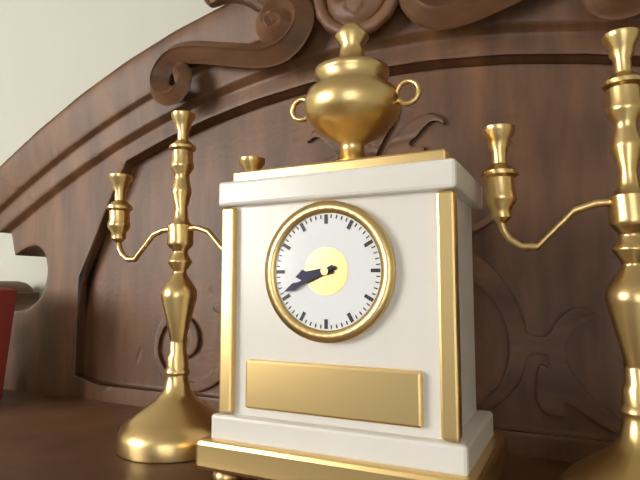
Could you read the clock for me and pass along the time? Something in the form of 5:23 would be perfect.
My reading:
8:41
